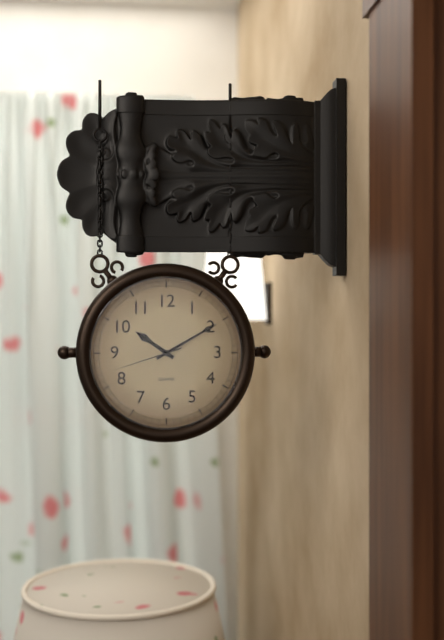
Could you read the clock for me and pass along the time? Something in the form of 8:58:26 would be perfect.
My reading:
10:10:42
